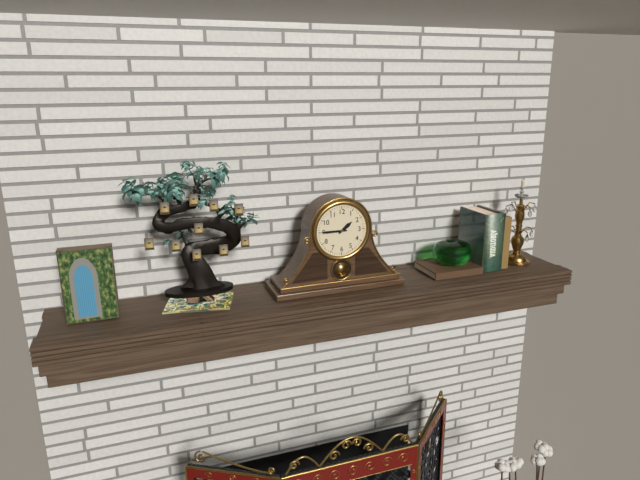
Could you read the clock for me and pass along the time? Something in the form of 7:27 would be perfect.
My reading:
1:45
